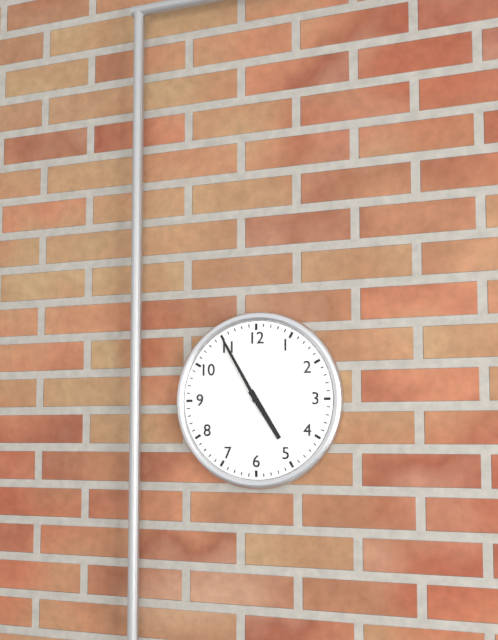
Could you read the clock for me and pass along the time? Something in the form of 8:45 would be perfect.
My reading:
4:55
